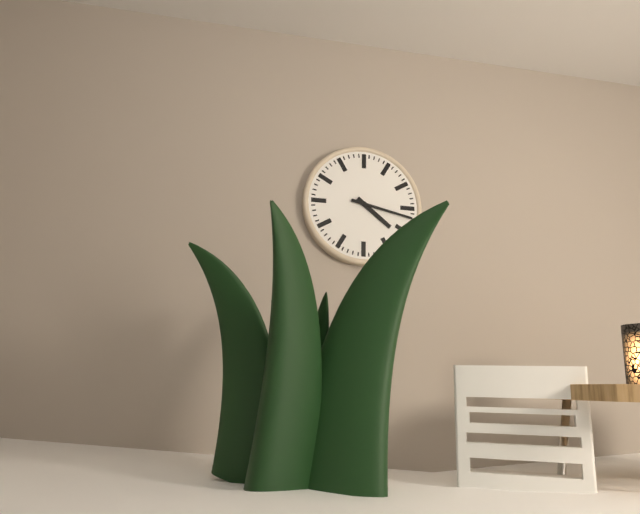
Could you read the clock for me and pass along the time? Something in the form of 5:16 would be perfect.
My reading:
4:17
